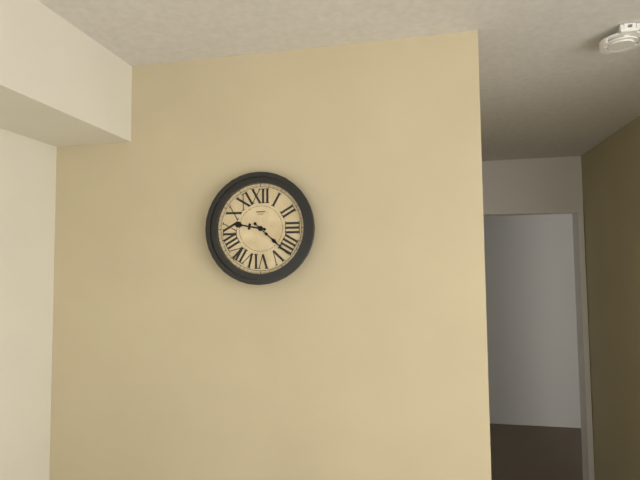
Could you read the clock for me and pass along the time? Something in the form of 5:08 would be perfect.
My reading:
9:22
